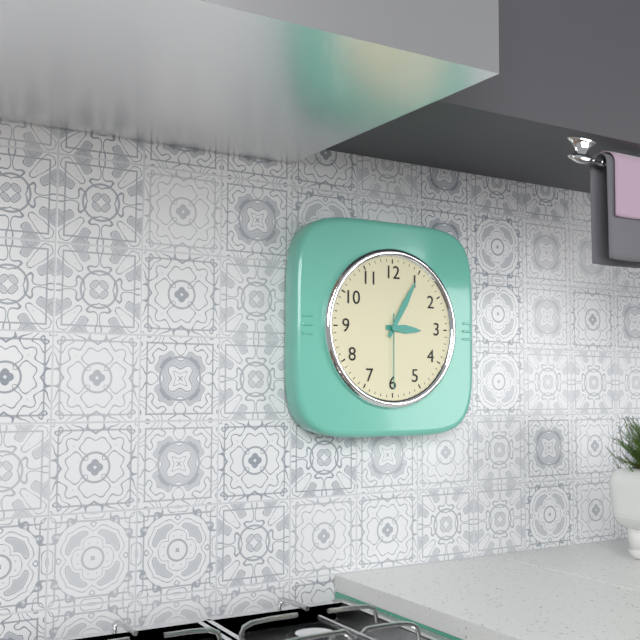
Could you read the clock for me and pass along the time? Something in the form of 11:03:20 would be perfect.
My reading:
3:05:30
